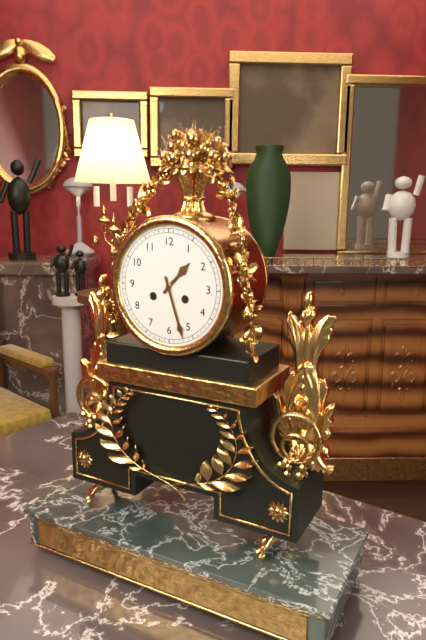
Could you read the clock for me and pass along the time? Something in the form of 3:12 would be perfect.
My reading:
1:27
